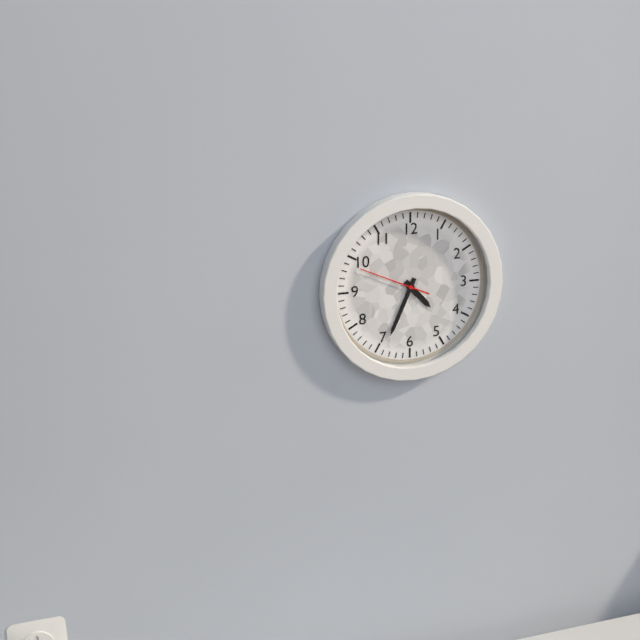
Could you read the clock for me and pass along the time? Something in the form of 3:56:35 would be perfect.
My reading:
4:34:49
